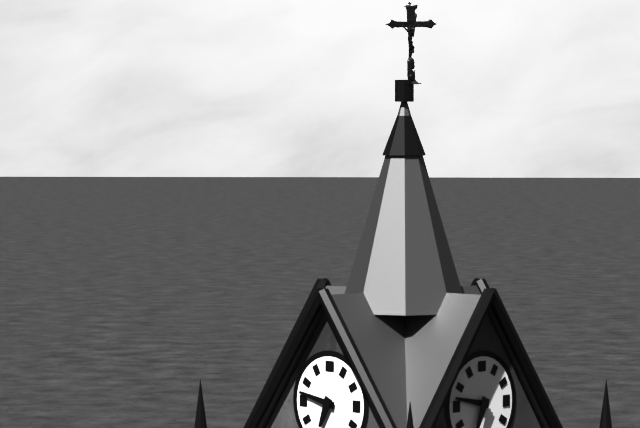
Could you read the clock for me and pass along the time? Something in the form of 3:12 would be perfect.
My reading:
6:47
